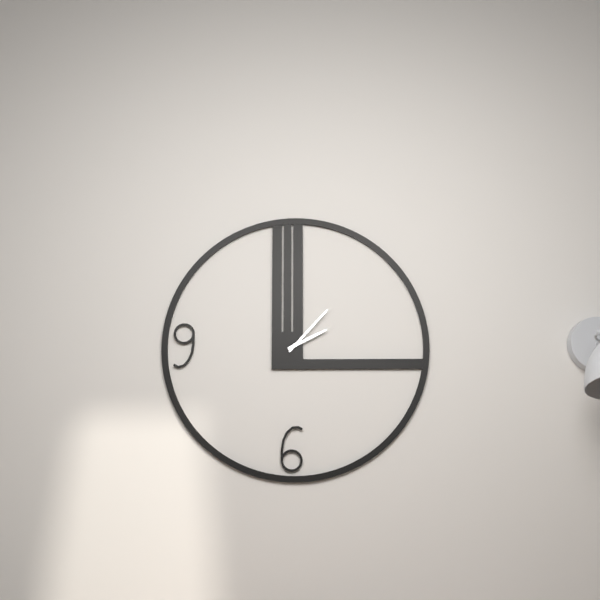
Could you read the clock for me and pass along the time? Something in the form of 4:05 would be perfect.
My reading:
2:07
